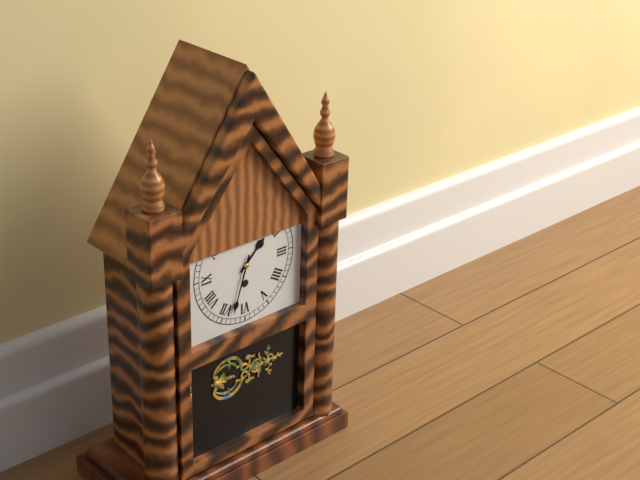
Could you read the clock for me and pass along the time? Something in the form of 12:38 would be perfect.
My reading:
1:33
